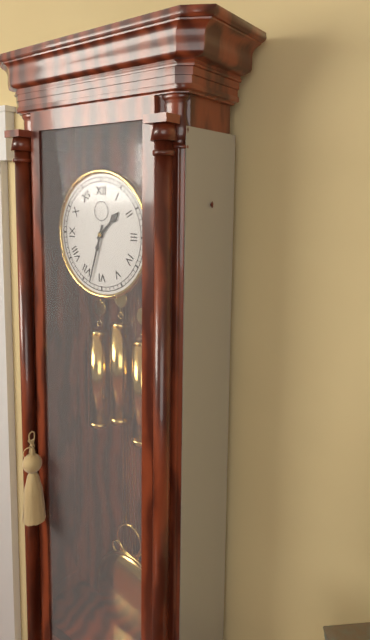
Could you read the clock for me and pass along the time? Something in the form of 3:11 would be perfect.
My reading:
1:33
